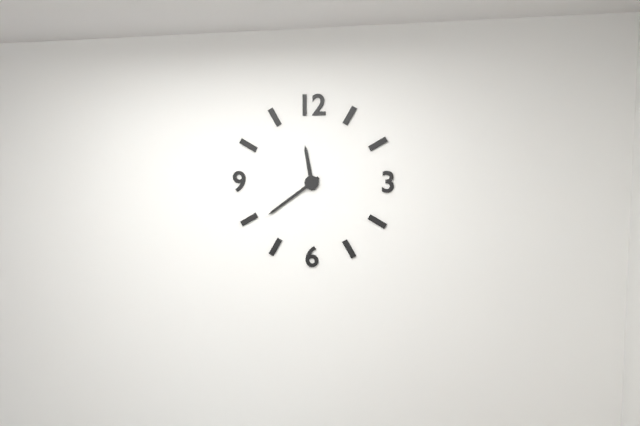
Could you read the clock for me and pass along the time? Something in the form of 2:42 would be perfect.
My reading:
11:39
